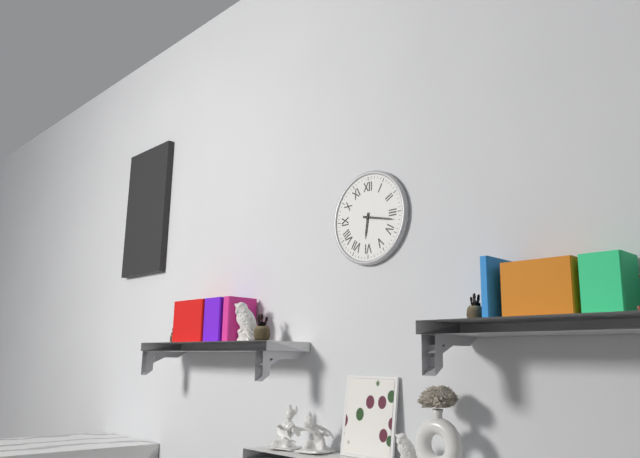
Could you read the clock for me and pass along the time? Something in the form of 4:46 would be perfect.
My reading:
6:17
